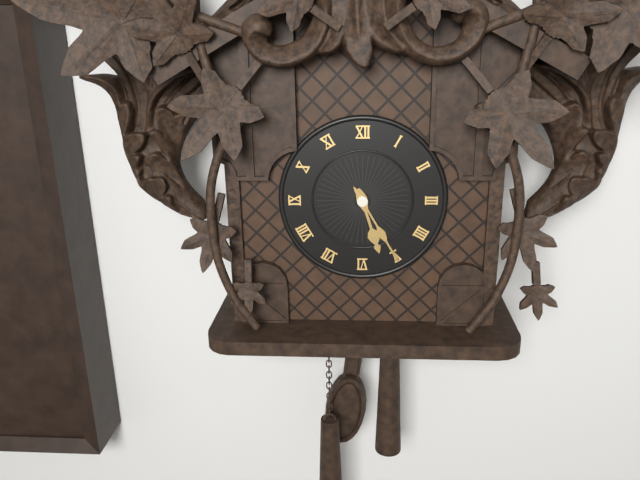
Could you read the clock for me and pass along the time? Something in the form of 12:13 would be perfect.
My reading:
5:25
